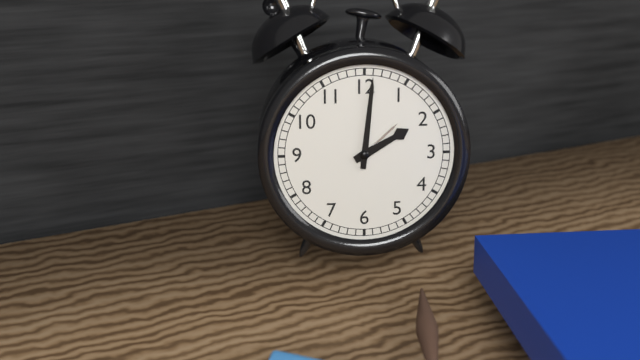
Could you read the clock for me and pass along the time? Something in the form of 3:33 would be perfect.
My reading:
2:01
